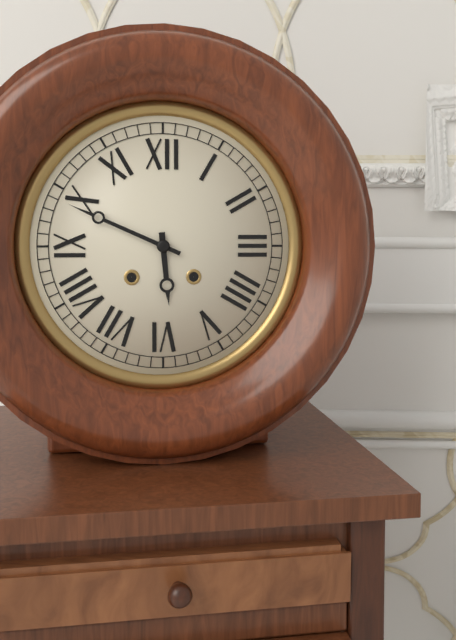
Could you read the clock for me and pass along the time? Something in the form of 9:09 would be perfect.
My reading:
5:49
